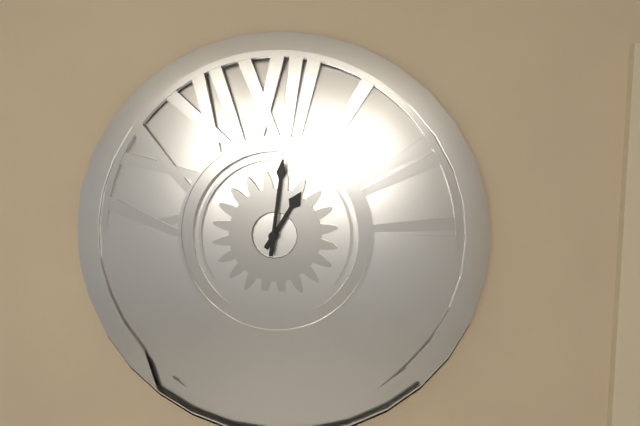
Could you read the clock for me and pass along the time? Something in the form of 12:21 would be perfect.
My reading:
1:01
